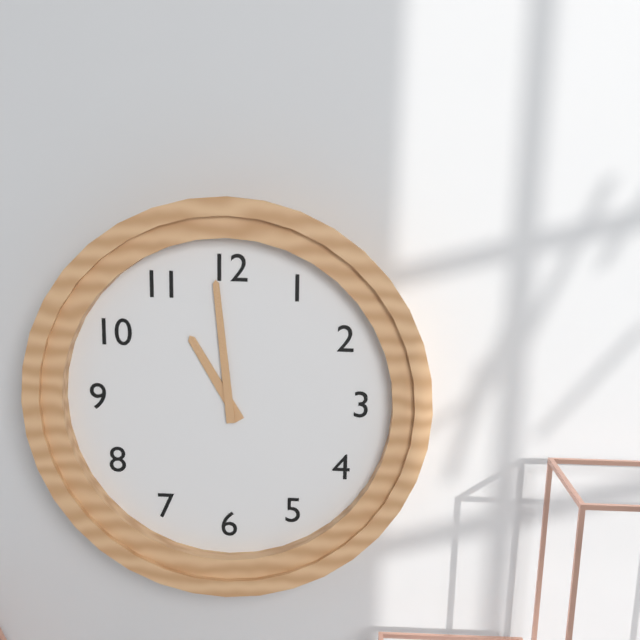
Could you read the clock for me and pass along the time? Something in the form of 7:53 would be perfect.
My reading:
10:59
